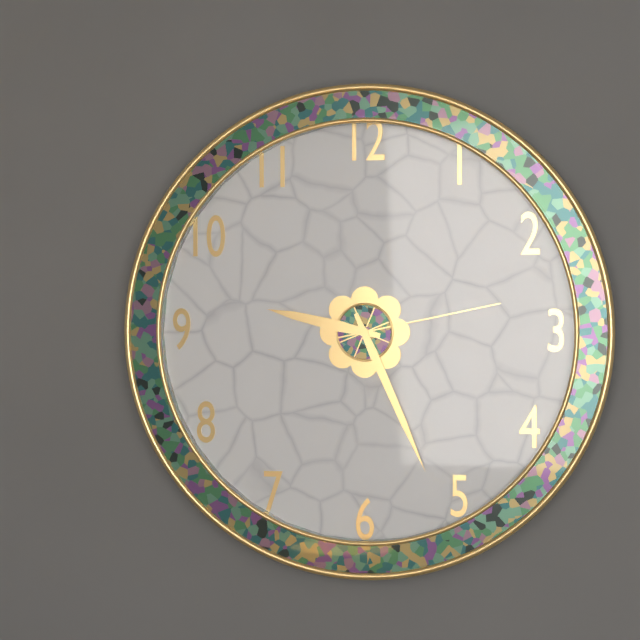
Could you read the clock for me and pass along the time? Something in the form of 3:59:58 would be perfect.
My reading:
9:26:13
